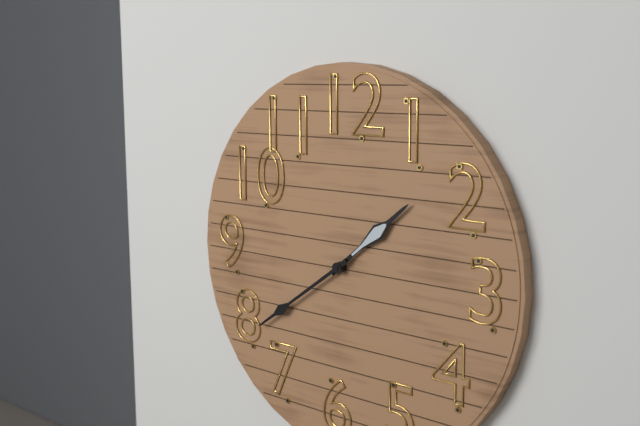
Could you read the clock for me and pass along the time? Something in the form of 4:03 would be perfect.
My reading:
1:39
